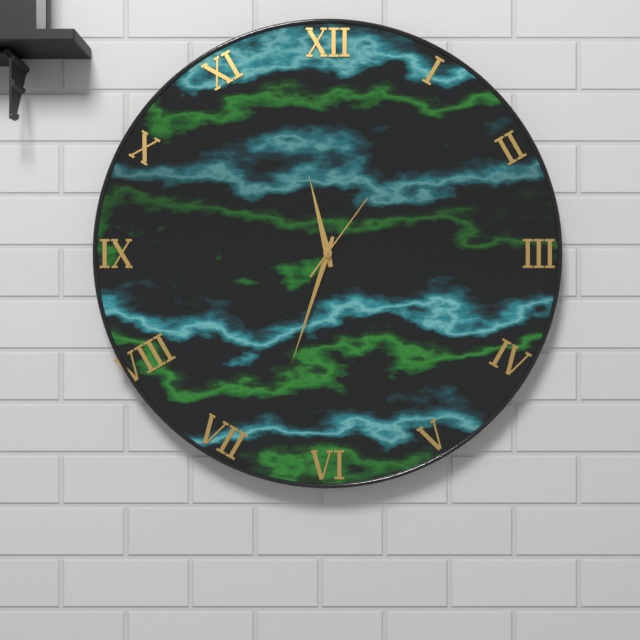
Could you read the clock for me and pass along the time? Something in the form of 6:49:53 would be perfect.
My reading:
11:33:06
